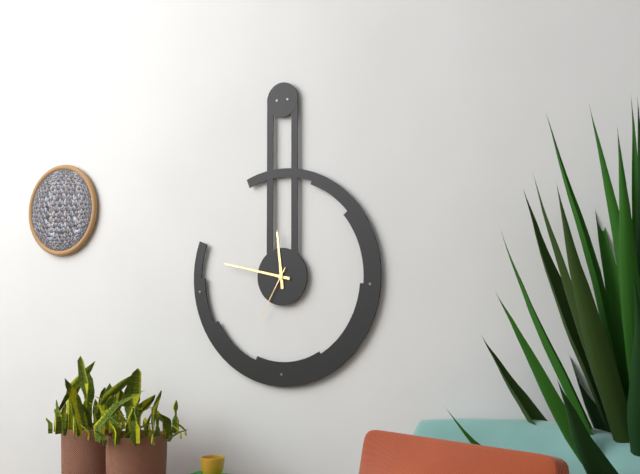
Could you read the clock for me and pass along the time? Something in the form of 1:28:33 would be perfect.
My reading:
11:47:35
